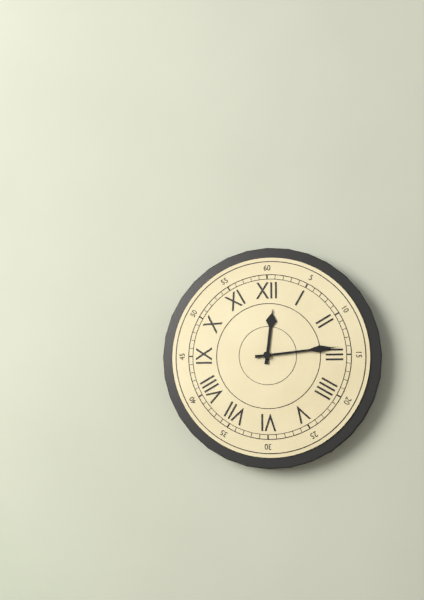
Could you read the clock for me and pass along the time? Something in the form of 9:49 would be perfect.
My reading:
12:14
